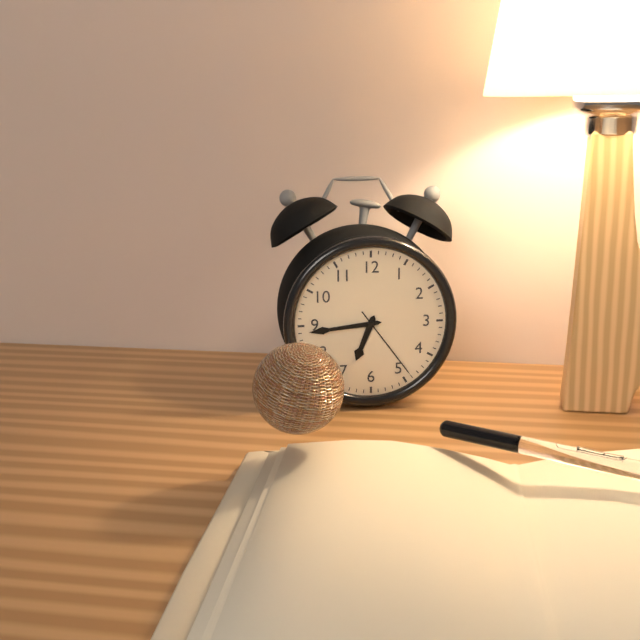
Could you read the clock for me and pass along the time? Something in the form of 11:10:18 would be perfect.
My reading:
6:44:24
